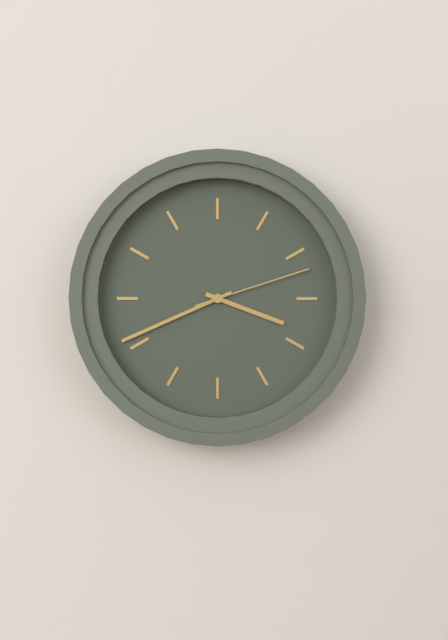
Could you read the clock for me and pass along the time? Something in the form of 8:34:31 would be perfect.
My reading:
3:41:12
